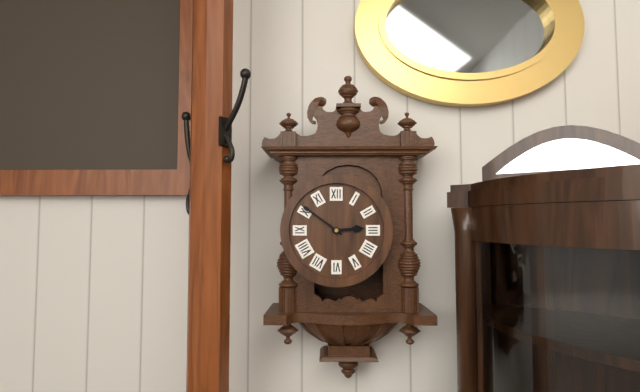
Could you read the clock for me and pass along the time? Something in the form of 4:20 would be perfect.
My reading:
2:51
